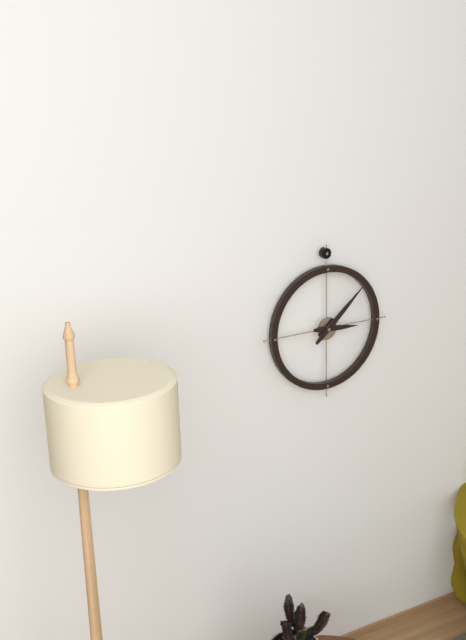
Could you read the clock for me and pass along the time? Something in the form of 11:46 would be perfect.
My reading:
3:08
